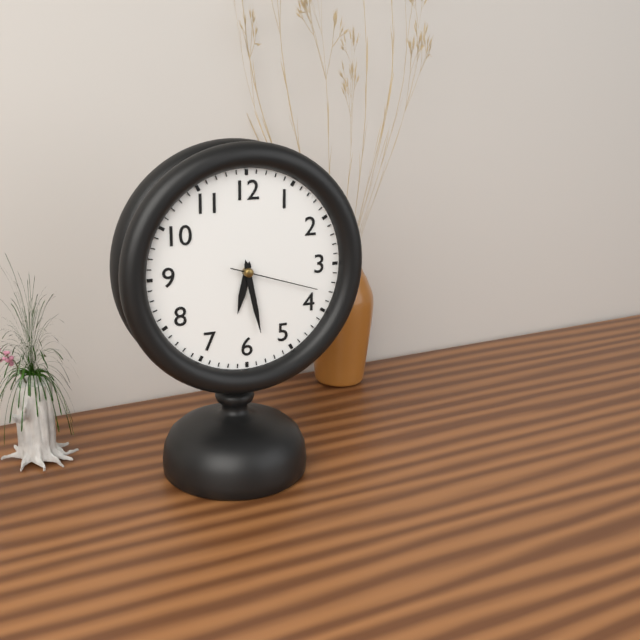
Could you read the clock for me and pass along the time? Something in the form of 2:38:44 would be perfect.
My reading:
6:28:18
